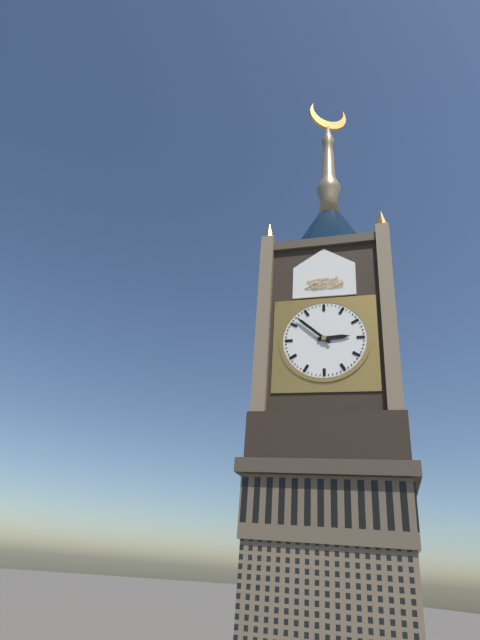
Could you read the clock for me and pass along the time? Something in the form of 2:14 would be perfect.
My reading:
2:52
